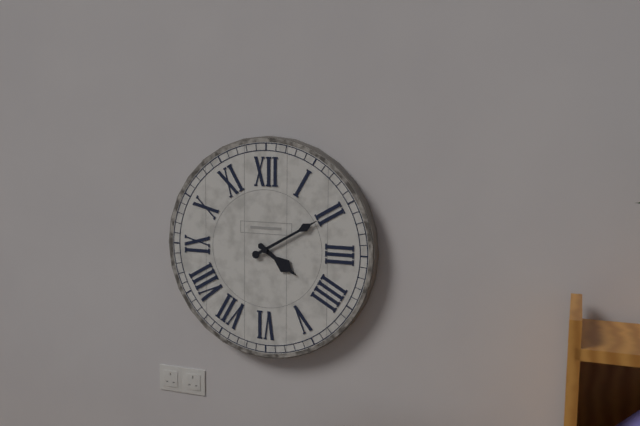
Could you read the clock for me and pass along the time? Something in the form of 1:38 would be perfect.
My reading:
4:10
